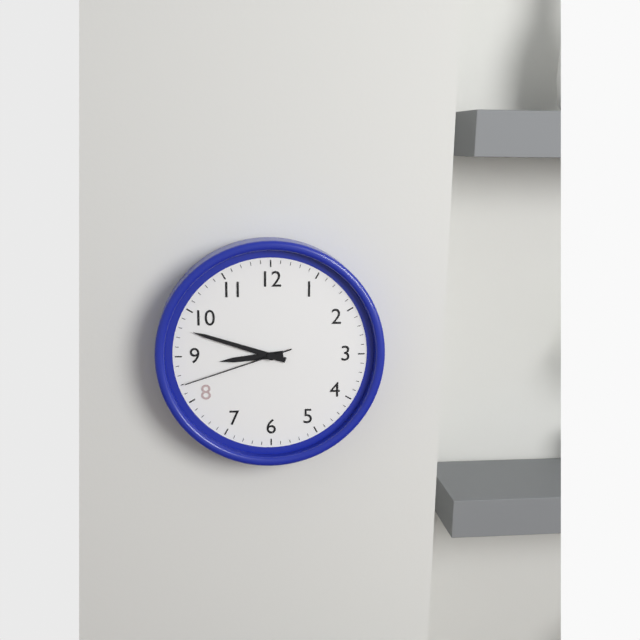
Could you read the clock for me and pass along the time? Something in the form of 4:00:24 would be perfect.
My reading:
8:48:42
